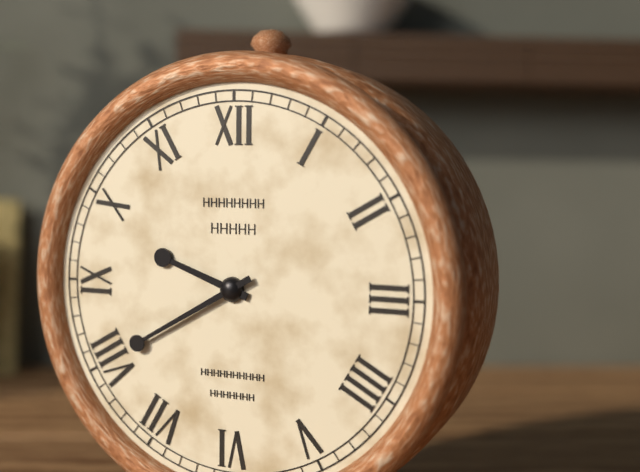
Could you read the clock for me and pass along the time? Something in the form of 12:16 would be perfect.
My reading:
9:40
